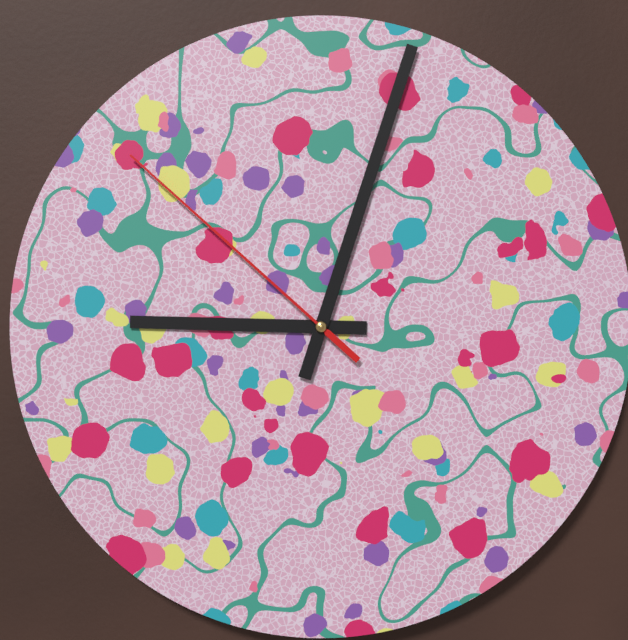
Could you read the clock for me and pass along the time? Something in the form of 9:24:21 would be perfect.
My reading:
9:03:52
